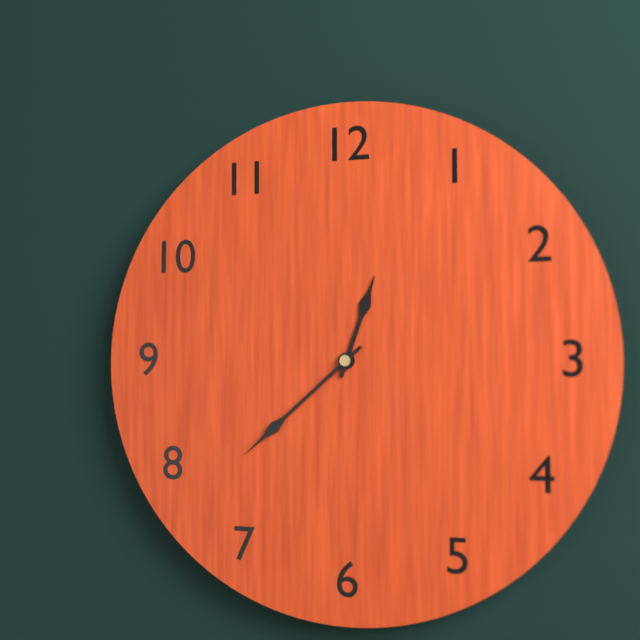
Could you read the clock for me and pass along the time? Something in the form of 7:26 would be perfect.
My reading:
12:38
